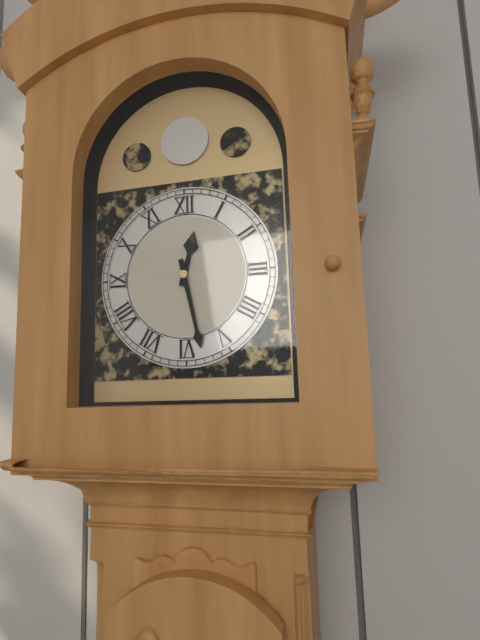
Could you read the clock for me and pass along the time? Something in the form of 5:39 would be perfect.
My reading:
12:28
